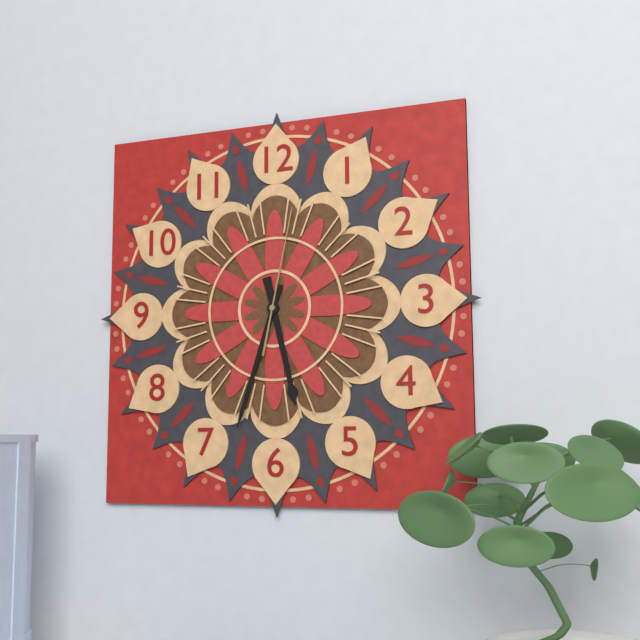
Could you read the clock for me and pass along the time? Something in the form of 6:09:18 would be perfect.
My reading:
5:33:02
